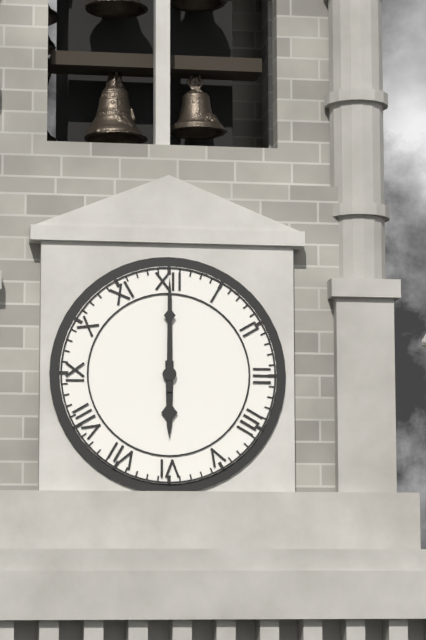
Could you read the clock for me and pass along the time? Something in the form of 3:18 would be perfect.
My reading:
6:00
